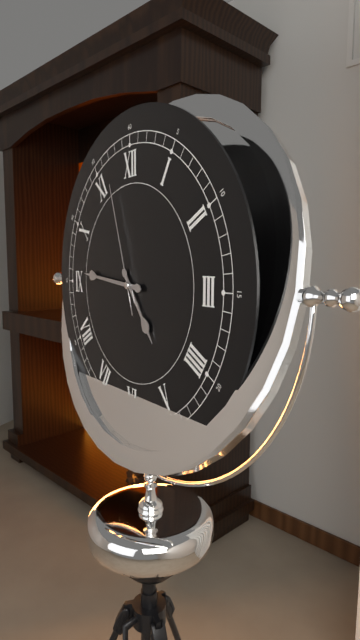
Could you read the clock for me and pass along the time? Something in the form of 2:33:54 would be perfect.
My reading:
4:46:57
